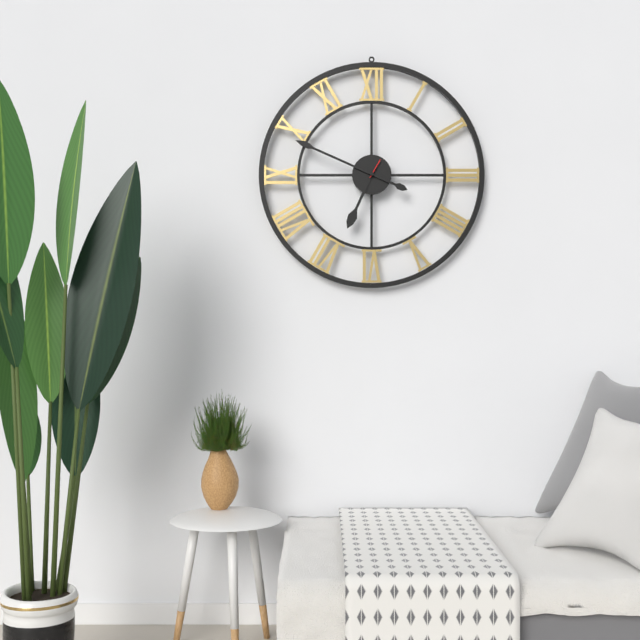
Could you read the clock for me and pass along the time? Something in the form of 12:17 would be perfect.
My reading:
6:49
